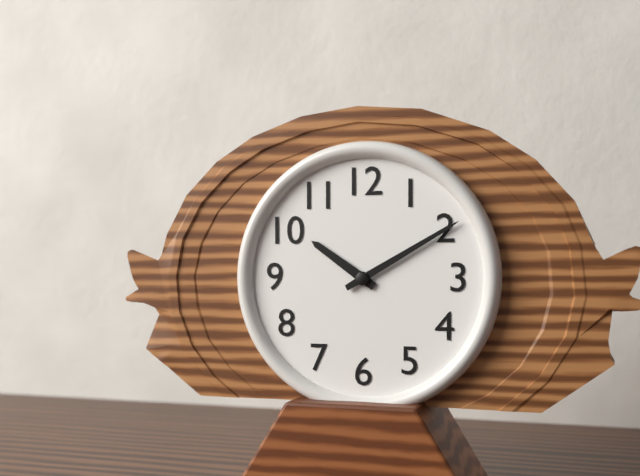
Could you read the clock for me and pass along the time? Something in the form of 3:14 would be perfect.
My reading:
10:10
